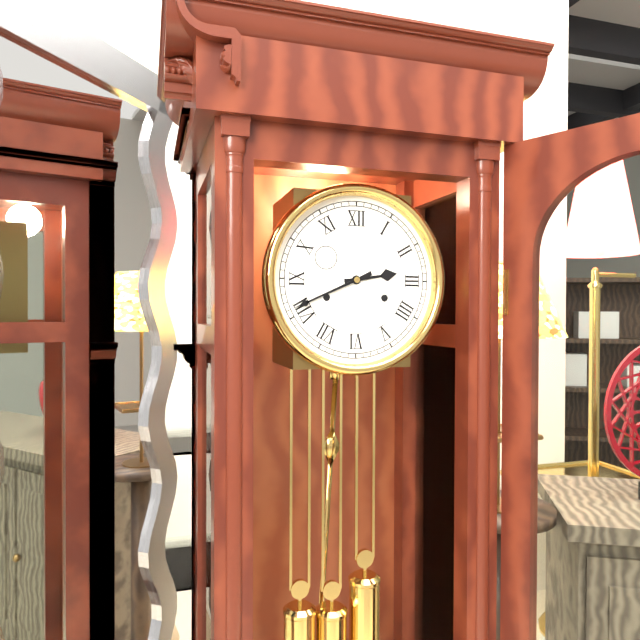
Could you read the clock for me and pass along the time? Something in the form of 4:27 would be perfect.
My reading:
2:41
